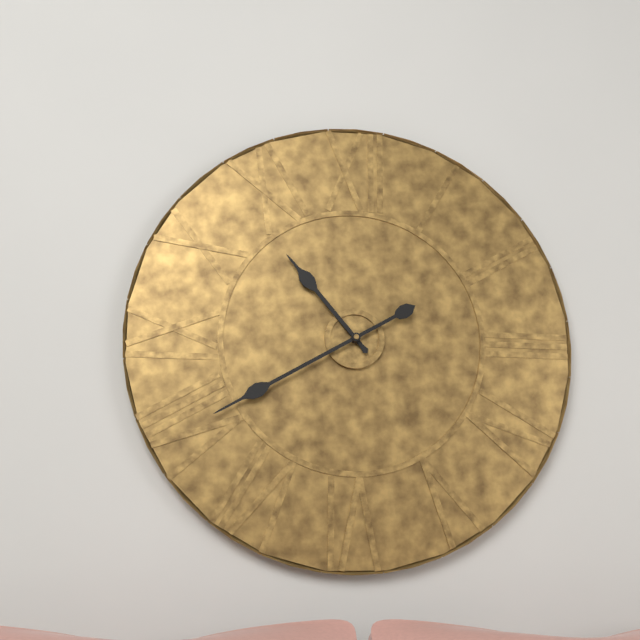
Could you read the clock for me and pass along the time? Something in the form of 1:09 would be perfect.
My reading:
10:40
